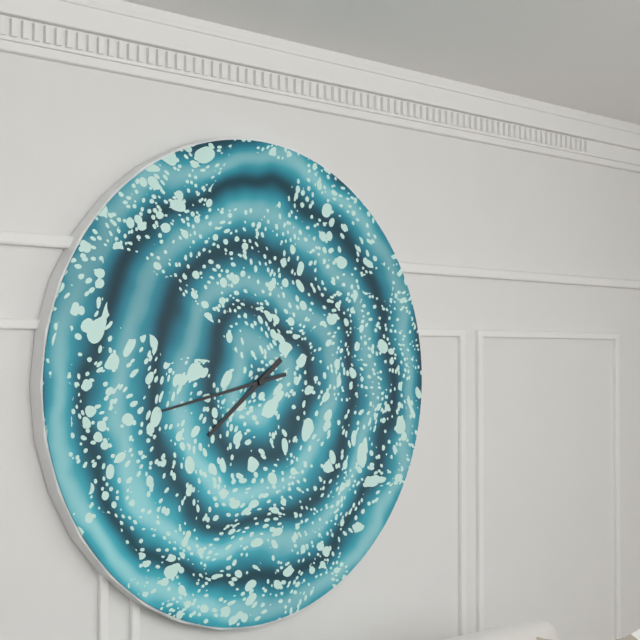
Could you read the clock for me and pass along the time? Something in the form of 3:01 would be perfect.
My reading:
7:43
